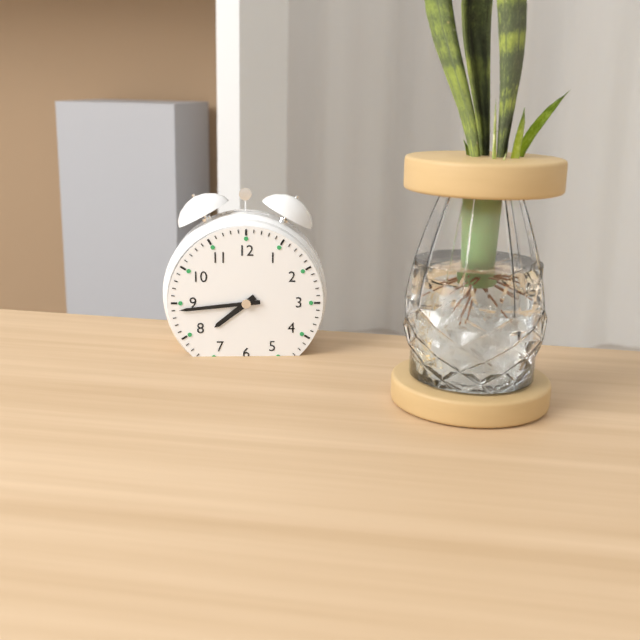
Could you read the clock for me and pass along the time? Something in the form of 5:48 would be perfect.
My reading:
7:44
